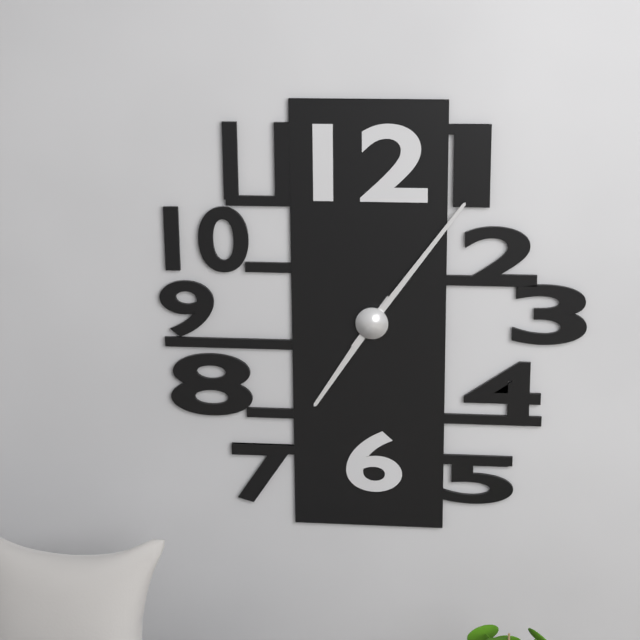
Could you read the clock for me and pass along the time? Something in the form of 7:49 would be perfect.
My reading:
7:06
